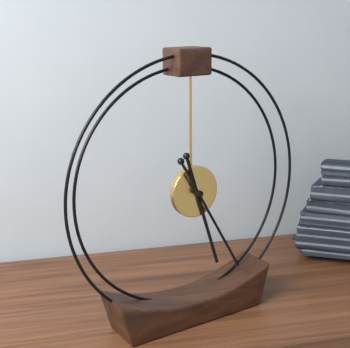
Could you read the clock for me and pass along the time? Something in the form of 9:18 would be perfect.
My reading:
5:25
